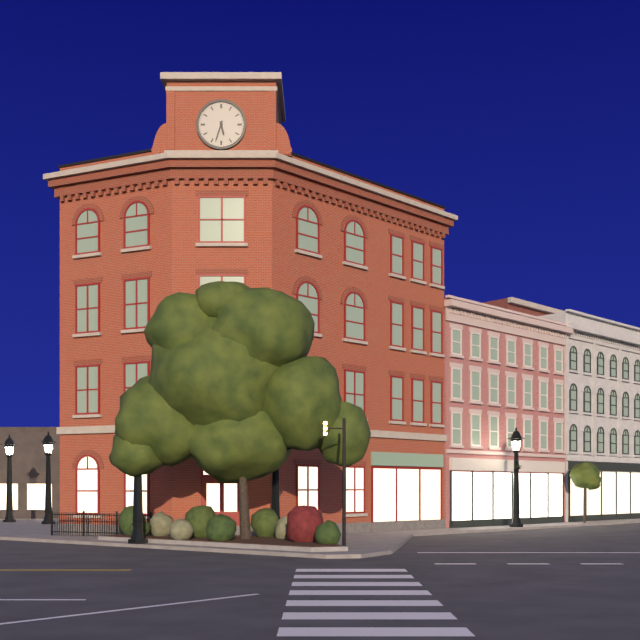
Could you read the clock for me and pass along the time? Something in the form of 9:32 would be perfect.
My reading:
5:33
